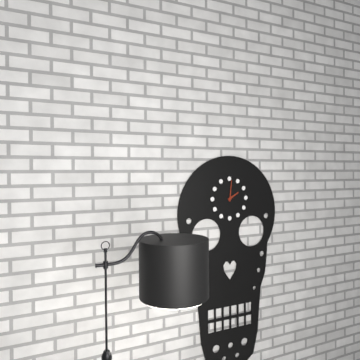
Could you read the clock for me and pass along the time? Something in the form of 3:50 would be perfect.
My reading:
2:01
